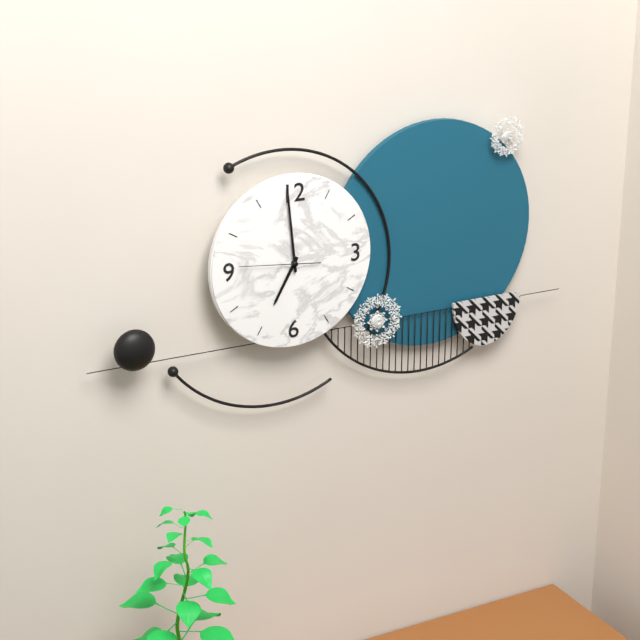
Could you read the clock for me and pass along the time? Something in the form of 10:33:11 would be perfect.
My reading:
6:59:46
